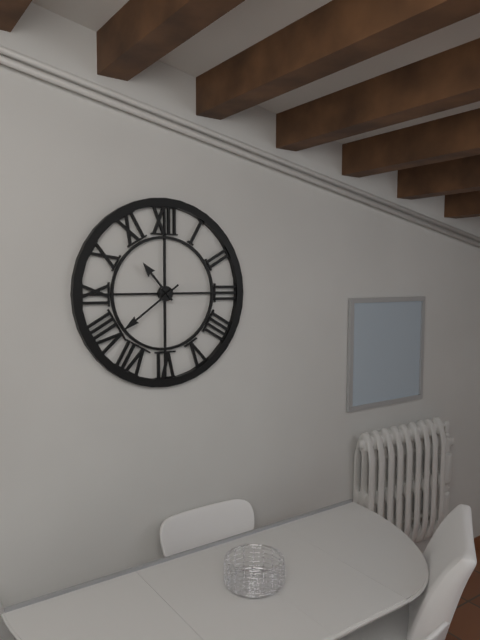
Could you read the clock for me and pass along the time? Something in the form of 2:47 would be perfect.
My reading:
10:39
